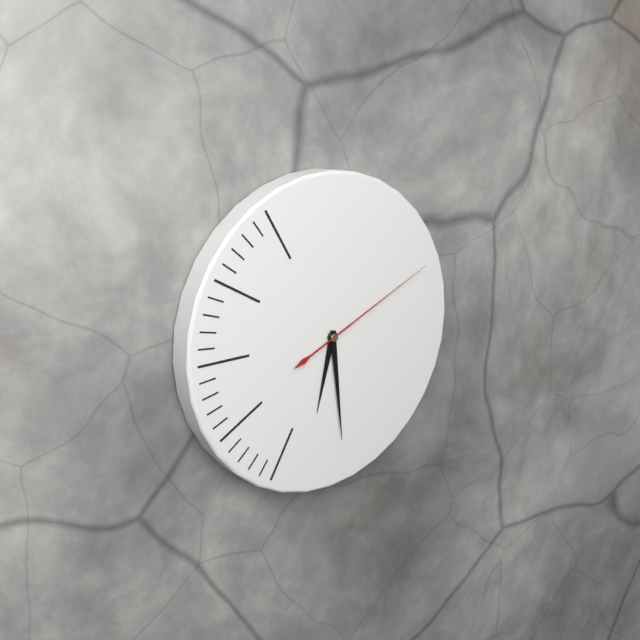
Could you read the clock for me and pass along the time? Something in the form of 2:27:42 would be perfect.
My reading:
6:29:11
